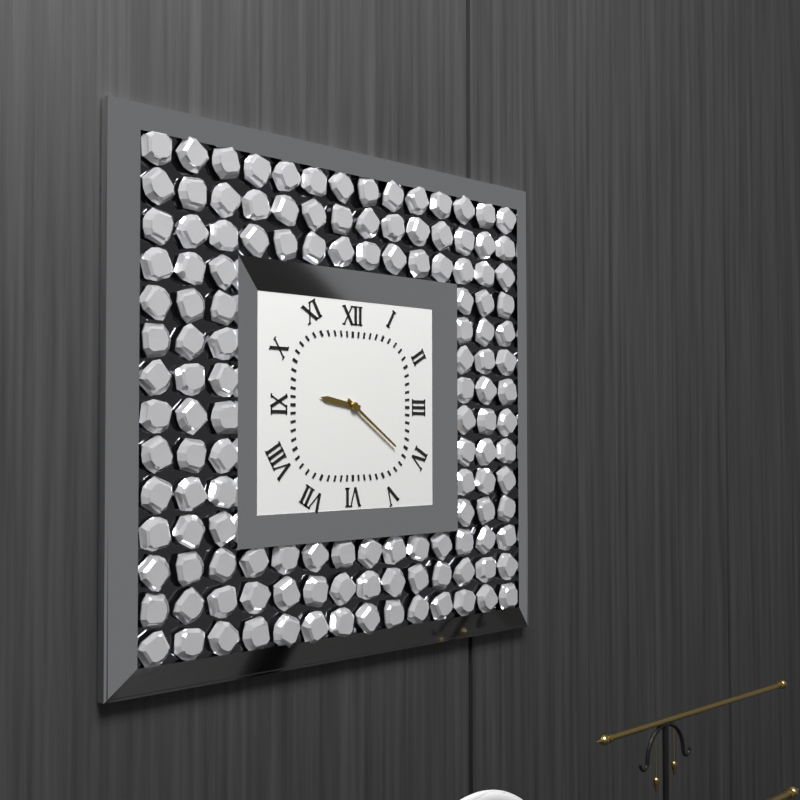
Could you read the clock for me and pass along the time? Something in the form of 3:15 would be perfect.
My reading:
9:21
